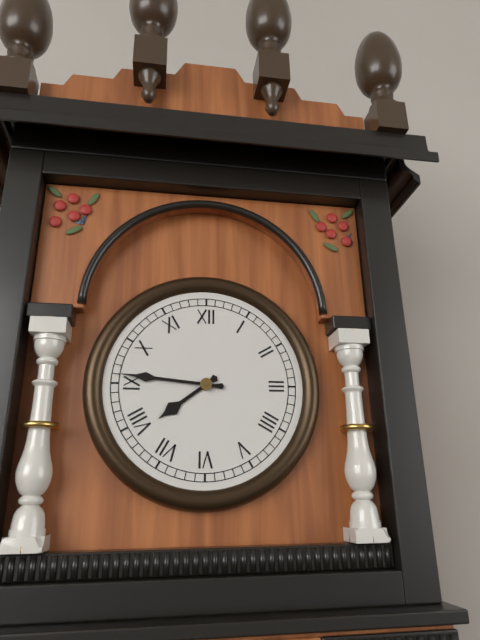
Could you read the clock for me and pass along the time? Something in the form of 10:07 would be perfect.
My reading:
7:46
